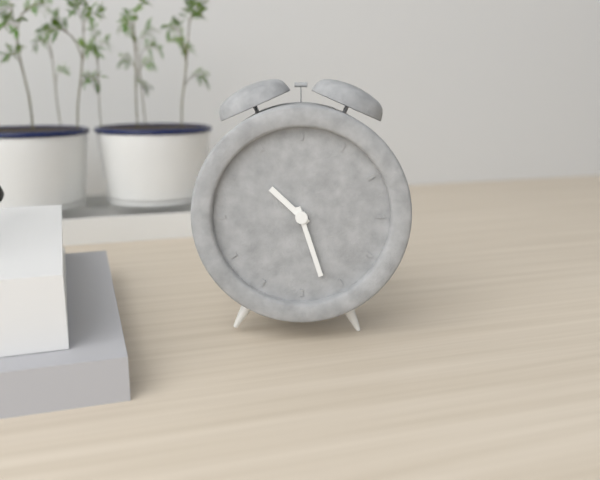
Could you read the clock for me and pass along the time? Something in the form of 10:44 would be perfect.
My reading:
10:27
